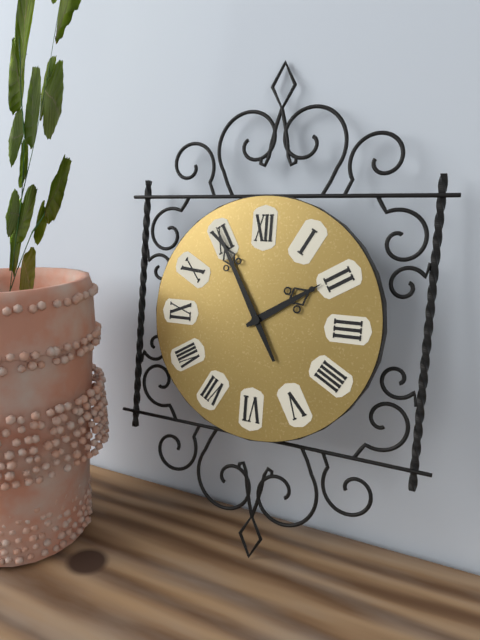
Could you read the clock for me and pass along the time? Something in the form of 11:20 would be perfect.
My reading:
1:55
